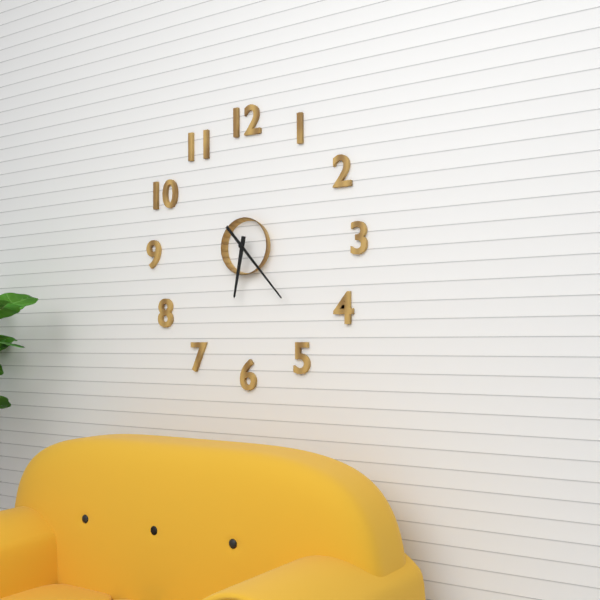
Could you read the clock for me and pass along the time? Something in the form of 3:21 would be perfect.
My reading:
6:23
